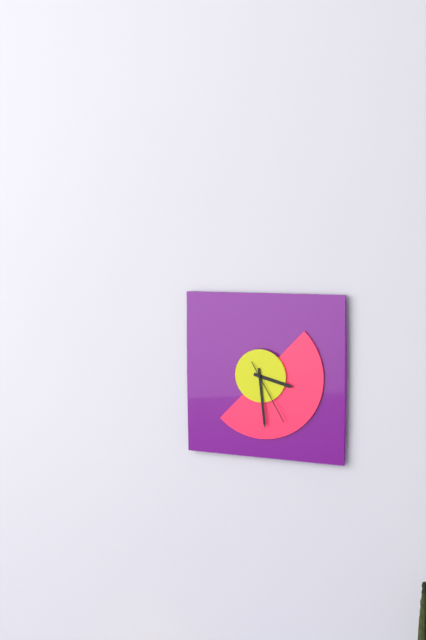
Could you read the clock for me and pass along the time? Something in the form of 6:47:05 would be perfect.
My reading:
3:29:25
